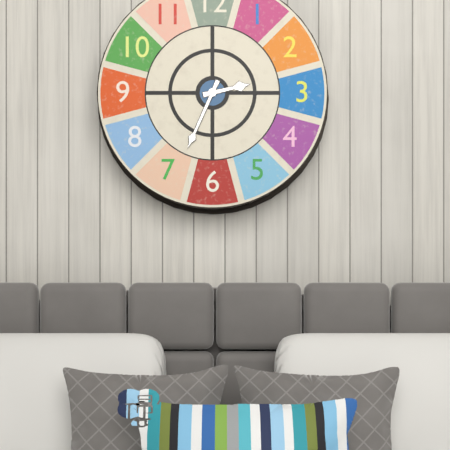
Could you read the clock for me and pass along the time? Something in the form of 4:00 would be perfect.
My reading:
2:34
